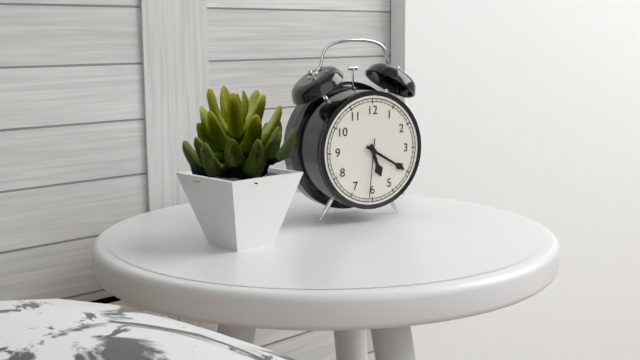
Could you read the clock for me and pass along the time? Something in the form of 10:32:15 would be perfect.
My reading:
5:20:31
